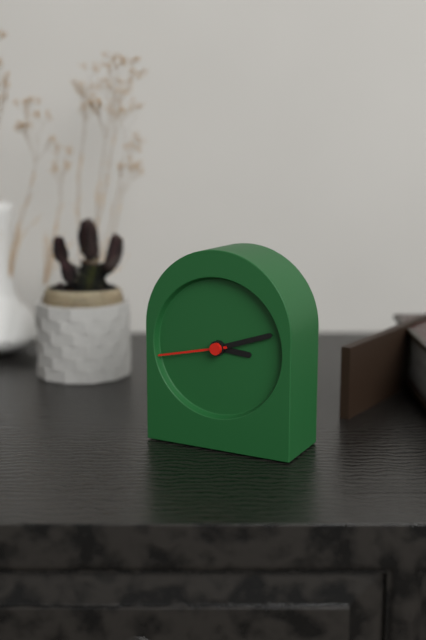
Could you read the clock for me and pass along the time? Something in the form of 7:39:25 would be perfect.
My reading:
3:12:43
